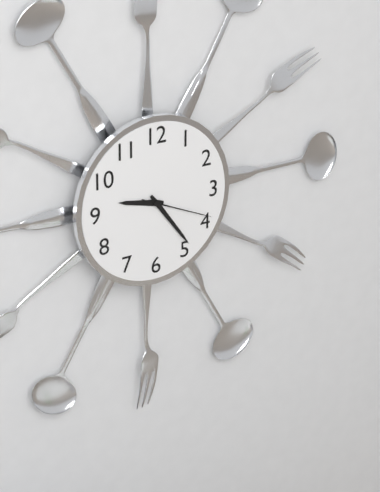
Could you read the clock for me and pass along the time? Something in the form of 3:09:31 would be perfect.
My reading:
9:24:19
